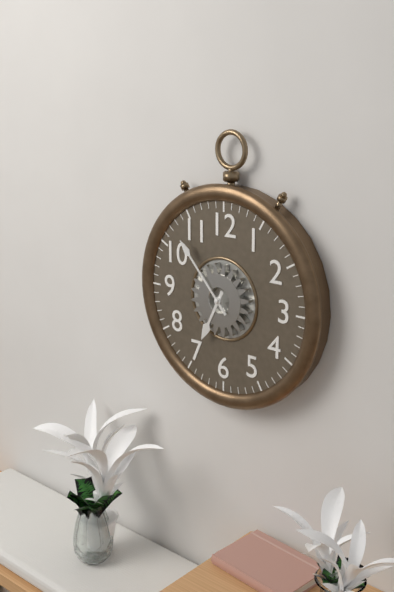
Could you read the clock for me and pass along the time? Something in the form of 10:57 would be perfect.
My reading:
6:53
